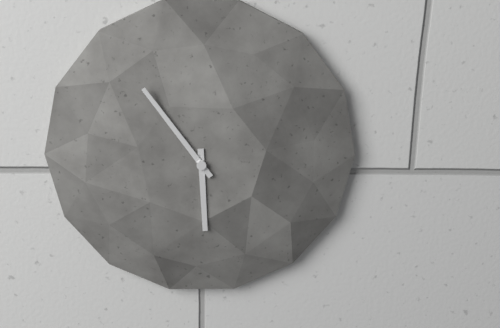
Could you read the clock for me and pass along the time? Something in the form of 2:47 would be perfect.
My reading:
5:54
